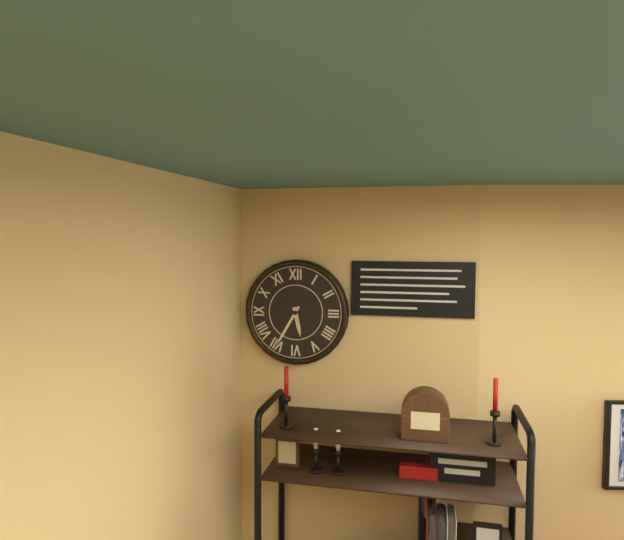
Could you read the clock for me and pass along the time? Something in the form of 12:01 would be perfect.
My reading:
5:35
